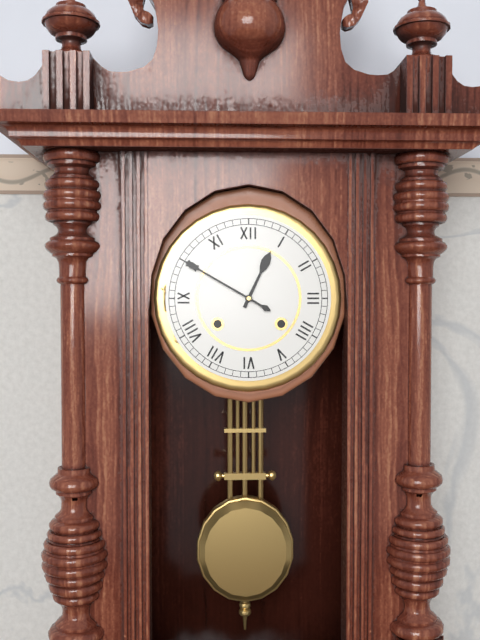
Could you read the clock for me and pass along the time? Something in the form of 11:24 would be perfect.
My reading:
12:50
